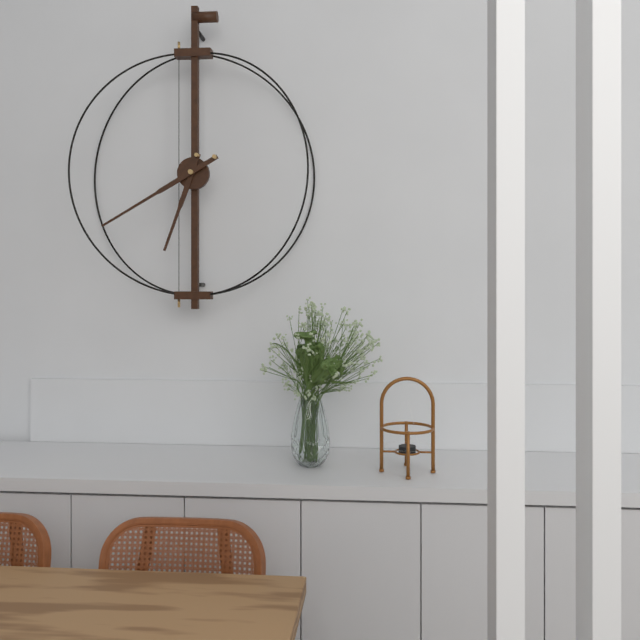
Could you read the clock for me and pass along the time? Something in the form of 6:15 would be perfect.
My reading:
6:40
